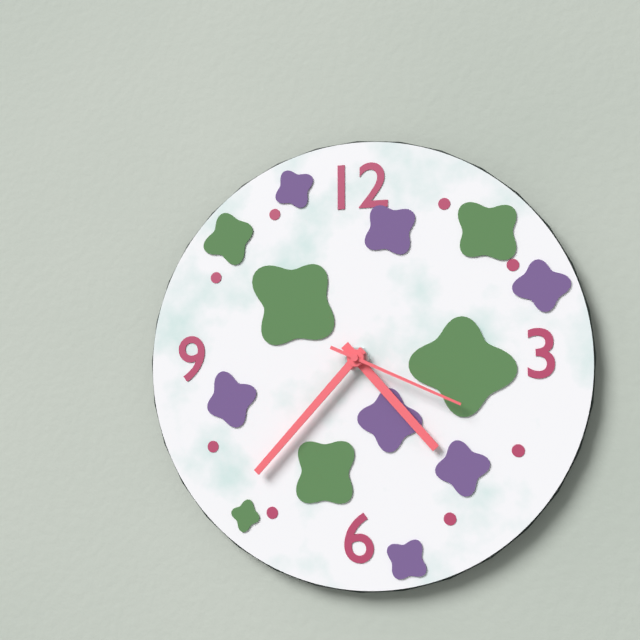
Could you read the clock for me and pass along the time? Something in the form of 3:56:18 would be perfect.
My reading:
4:37:19
